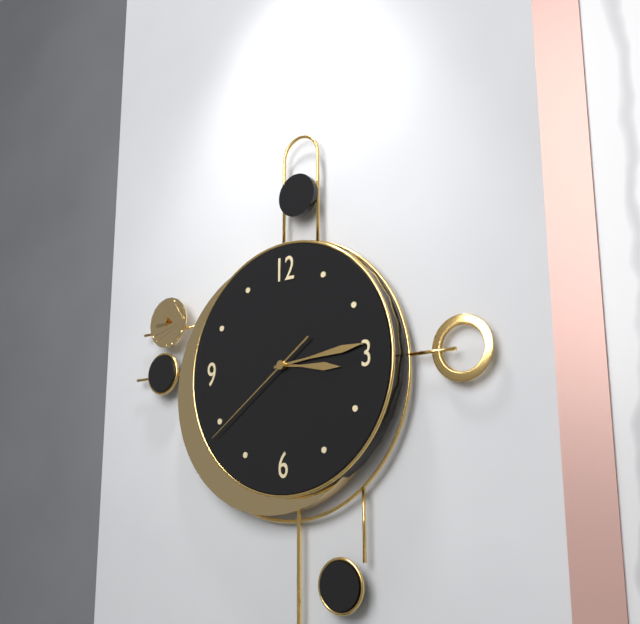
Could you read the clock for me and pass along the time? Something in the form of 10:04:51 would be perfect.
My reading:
3:14:39
